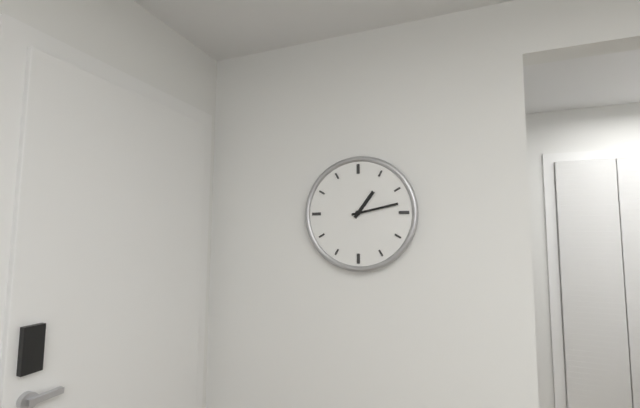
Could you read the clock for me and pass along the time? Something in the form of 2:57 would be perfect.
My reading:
1:13
